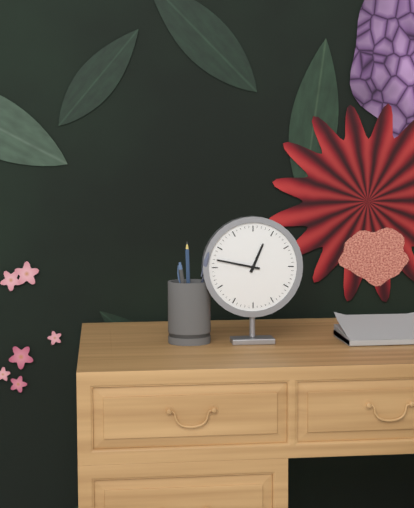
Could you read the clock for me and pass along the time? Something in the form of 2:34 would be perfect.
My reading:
12:47
